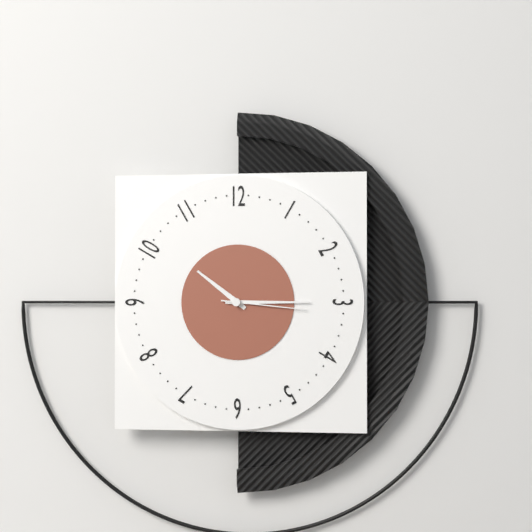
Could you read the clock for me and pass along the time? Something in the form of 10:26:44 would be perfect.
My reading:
10:15:16
